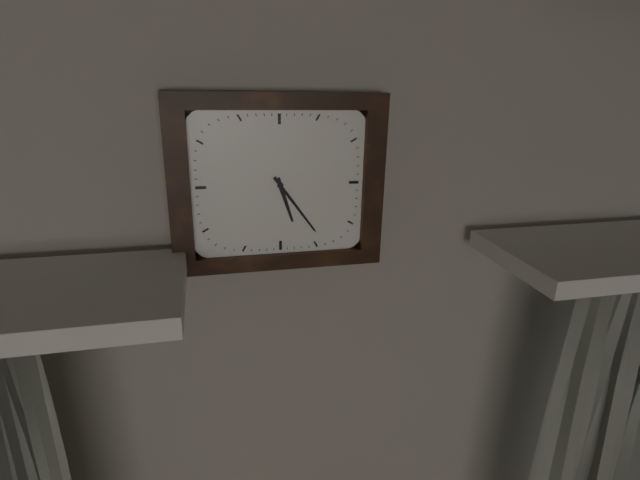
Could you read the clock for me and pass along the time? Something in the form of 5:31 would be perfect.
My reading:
5:24
